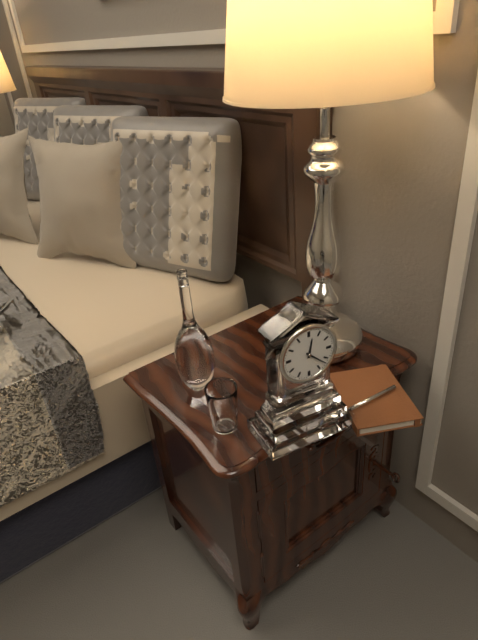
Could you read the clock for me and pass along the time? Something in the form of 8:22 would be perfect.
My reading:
12:22
